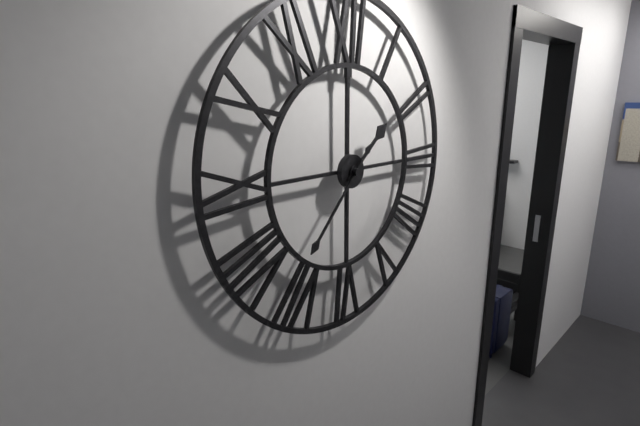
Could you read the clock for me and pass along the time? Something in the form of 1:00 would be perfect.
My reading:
1:37
